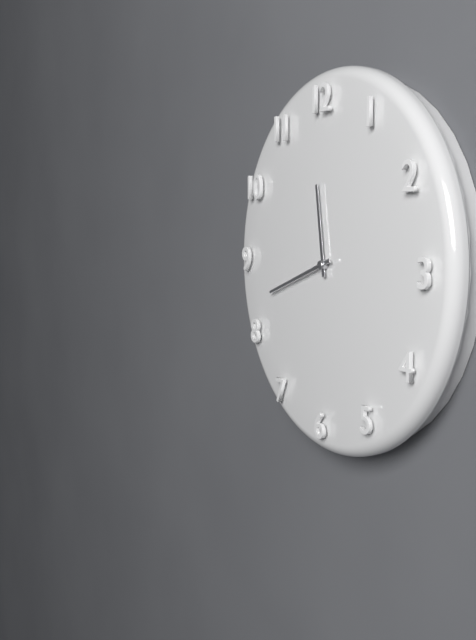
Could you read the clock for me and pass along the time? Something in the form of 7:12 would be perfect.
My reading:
11:42
